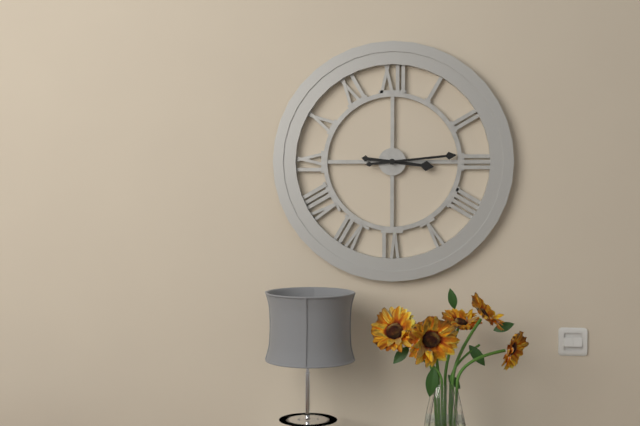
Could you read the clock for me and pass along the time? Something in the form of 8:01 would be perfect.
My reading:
3:14
